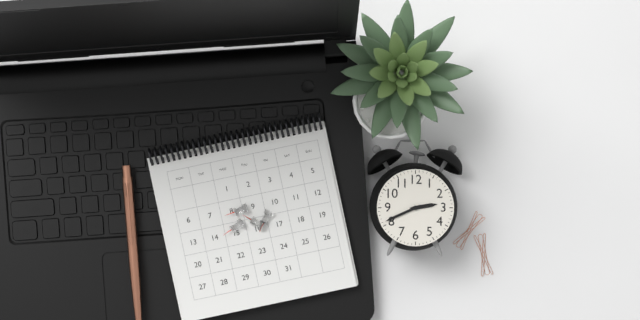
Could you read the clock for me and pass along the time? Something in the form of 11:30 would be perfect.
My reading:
2:41
